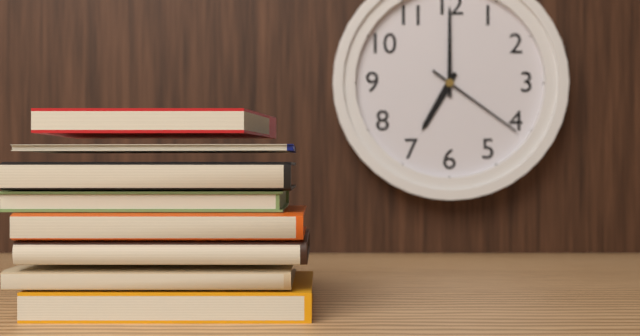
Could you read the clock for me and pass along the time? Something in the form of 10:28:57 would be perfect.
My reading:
7:00:21
